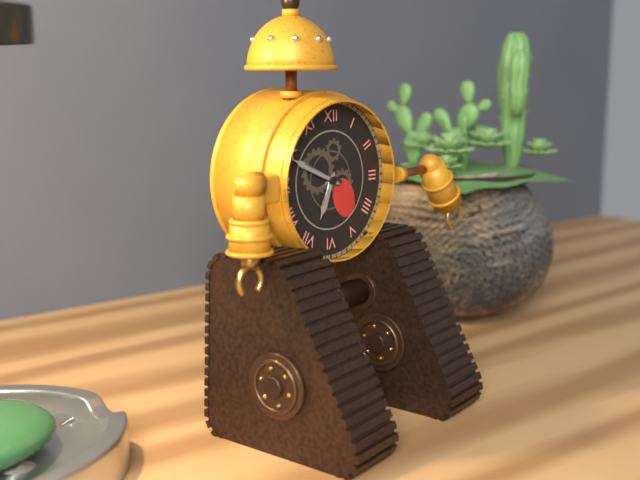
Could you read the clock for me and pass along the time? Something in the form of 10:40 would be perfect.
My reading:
6:49
